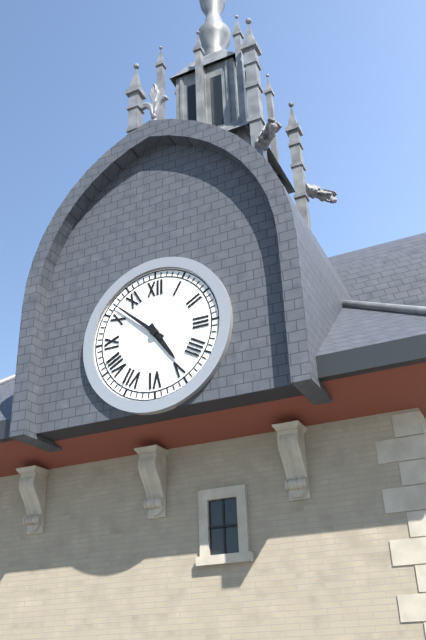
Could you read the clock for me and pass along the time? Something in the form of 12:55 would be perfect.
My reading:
4:52
